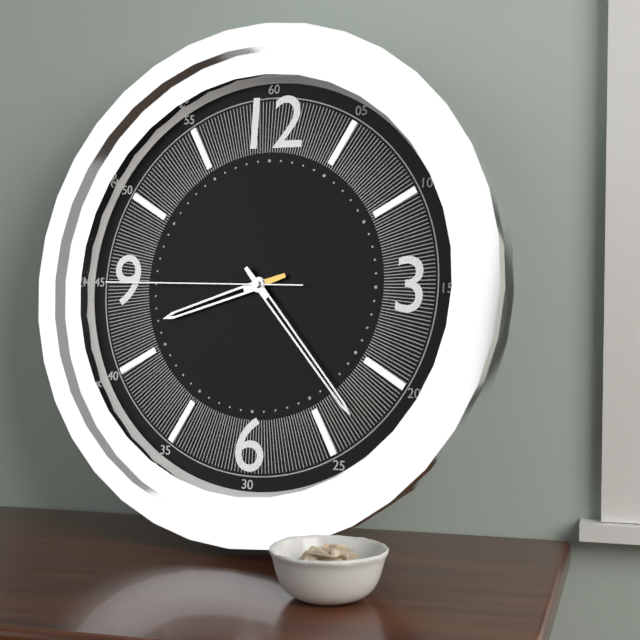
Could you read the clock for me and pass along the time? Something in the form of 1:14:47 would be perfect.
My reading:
8:23:45
